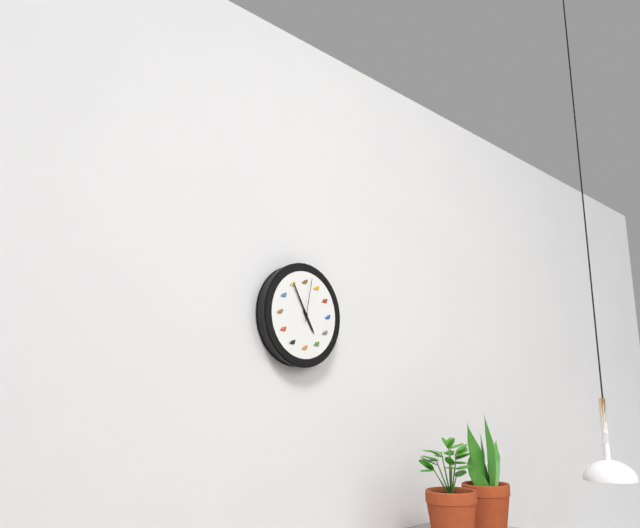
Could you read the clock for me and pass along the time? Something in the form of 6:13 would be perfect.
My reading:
4:55
